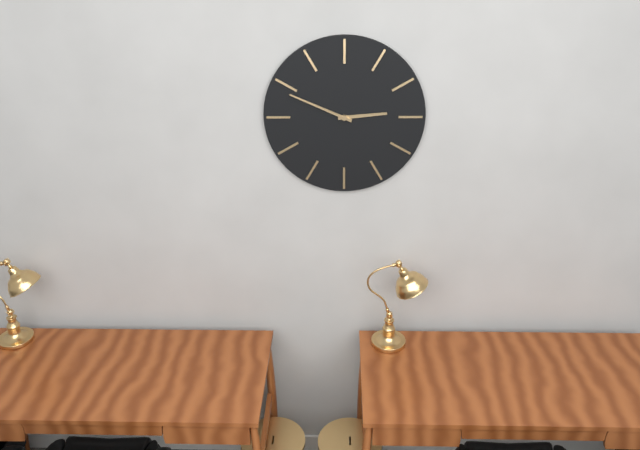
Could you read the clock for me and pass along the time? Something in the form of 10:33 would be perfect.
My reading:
2:49
